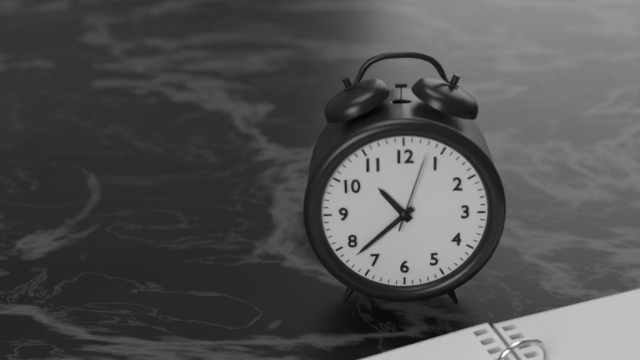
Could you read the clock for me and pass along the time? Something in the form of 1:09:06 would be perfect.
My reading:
10:38:03
